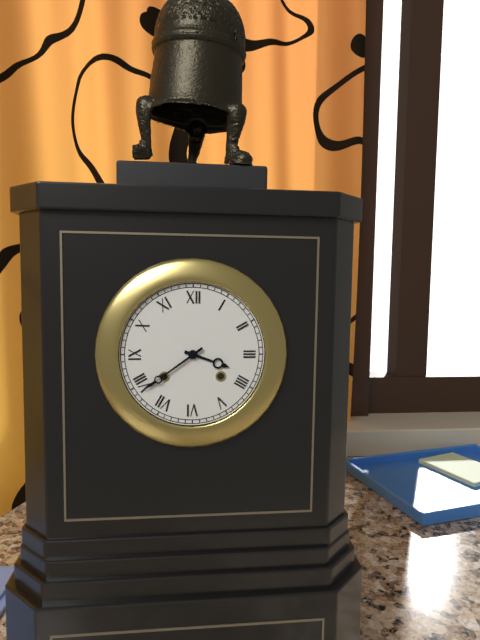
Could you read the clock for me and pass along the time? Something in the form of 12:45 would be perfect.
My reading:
3:39
